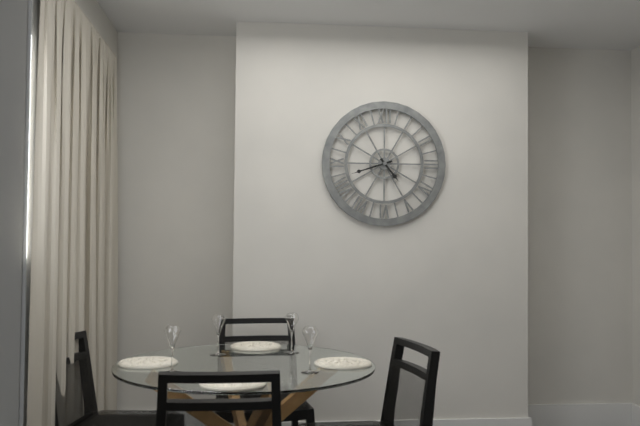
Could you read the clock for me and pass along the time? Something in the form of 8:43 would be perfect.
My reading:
4:42
